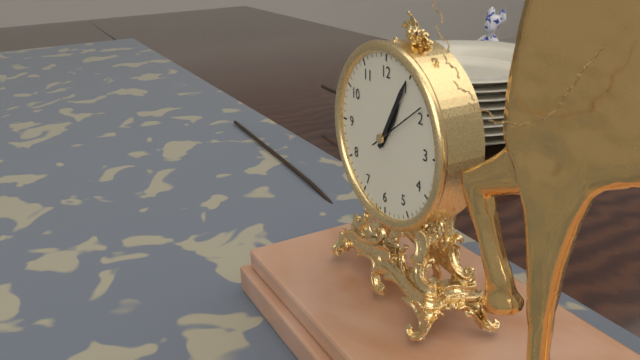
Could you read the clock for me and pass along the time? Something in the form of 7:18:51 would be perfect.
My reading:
1:05:09
